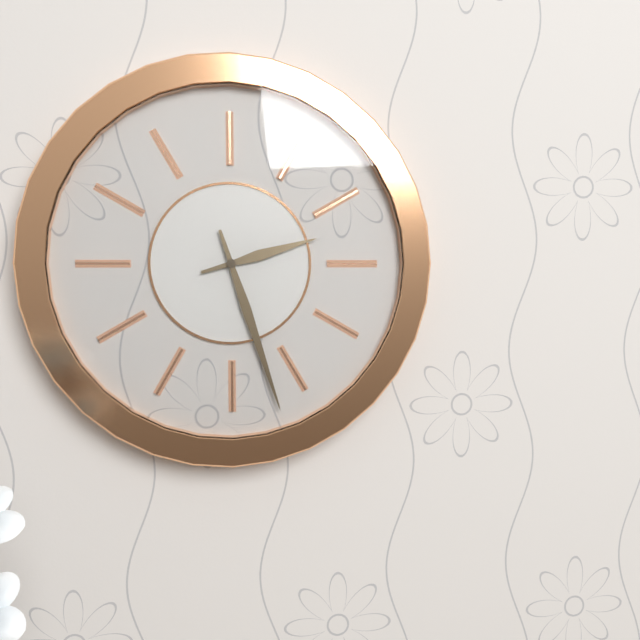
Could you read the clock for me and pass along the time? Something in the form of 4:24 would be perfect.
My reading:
2:27
